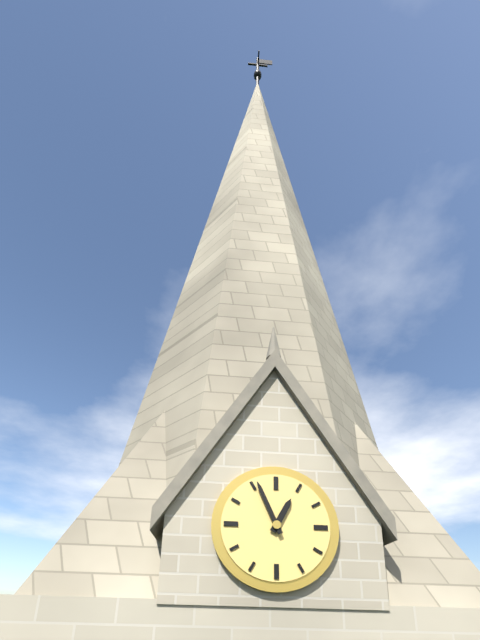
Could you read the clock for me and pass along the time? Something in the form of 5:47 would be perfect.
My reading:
12:56
